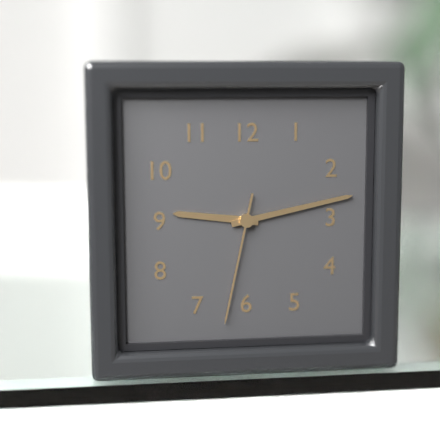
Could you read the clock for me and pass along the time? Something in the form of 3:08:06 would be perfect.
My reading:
9:13:32
